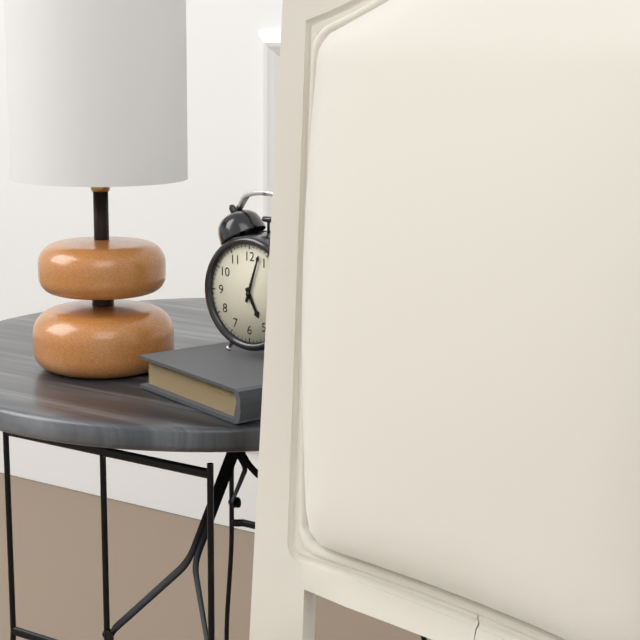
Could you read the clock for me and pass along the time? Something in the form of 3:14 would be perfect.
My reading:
5:03
